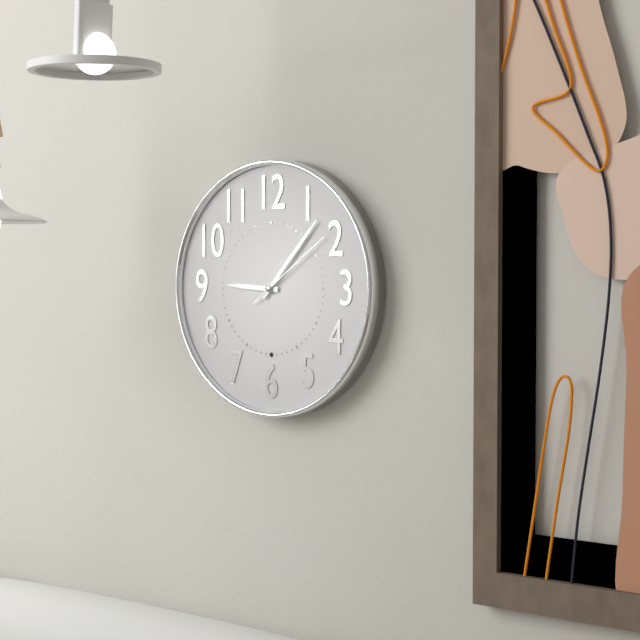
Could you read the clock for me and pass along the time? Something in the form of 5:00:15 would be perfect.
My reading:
9:07:09
